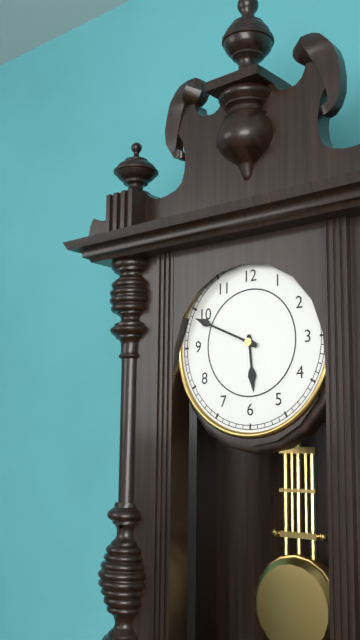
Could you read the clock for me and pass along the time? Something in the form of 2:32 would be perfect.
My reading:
5:49
